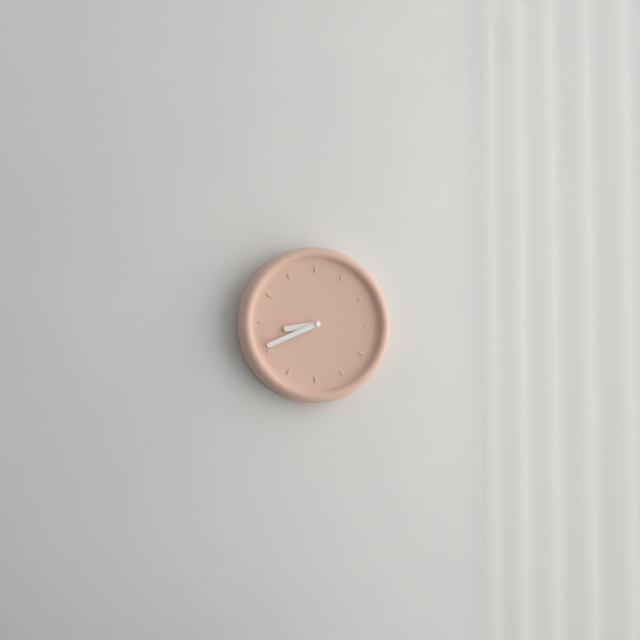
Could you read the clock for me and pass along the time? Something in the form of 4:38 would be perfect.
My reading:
8:41
